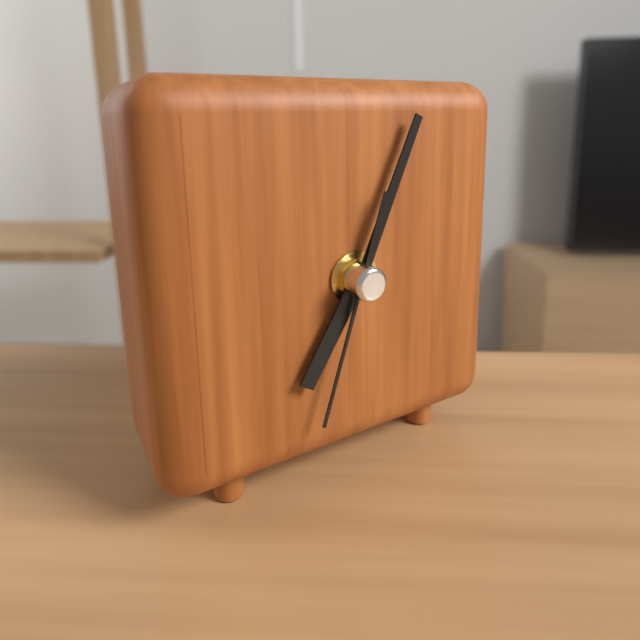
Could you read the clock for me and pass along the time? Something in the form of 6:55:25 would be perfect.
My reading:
7:04:33
